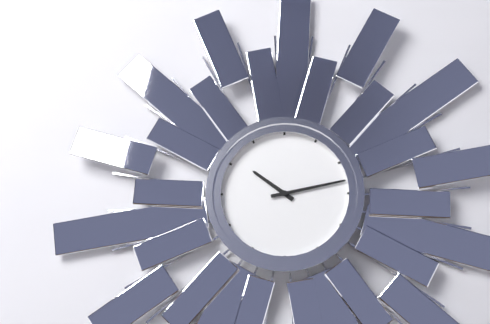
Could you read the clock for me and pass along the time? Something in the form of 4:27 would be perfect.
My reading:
10:13
